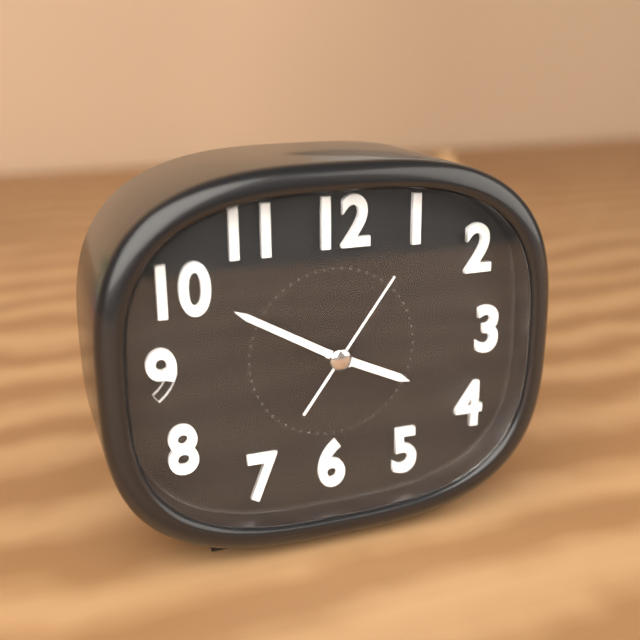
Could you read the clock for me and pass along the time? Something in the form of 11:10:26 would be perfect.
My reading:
3:50:06
